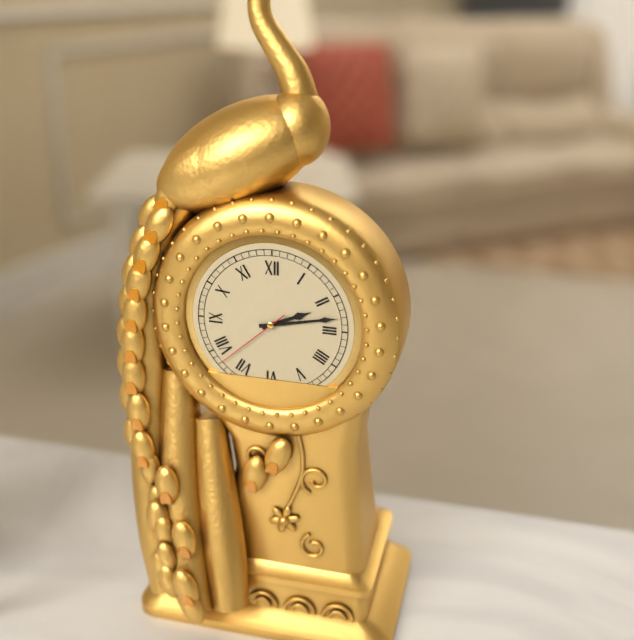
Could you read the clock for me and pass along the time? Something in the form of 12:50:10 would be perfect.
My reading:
2:13:38
